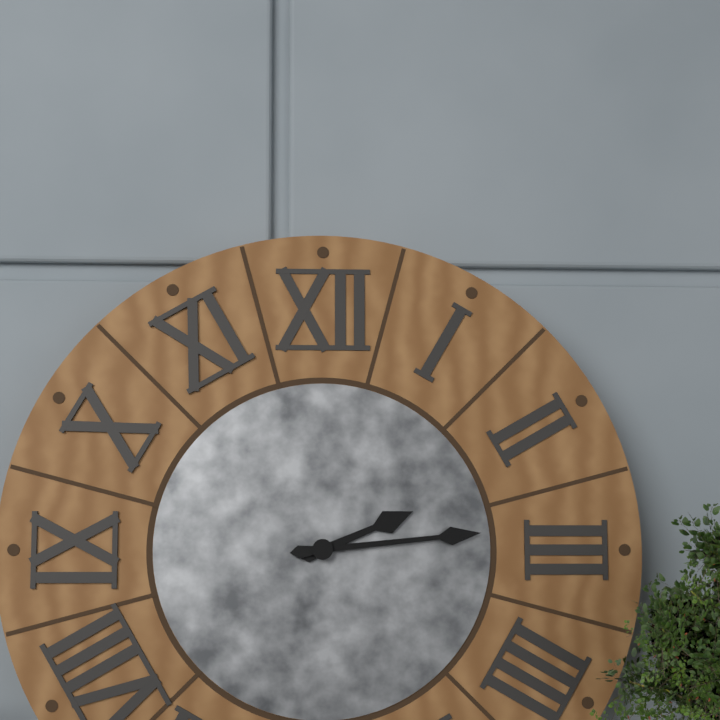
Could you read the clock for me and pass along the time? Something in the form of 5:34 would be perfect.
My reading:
2:14
